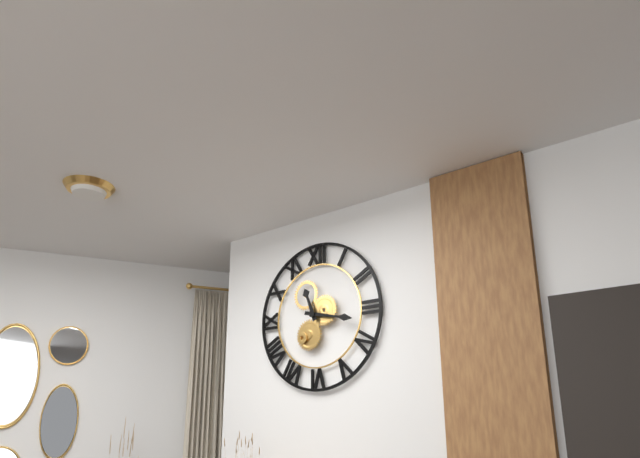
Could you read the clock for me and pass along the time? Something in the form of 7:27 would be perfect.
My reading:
11:17
